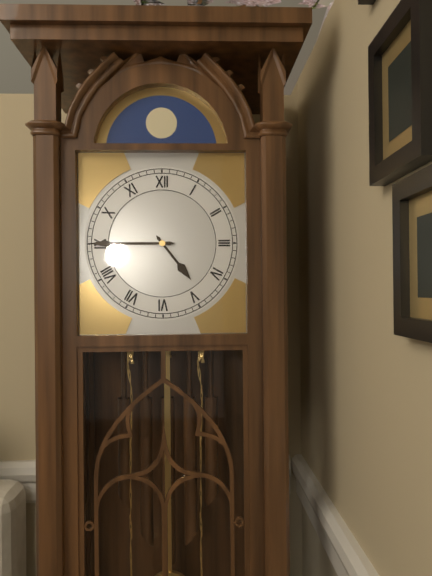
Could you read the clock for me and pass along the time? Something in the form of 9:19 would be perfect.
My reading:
4:45
